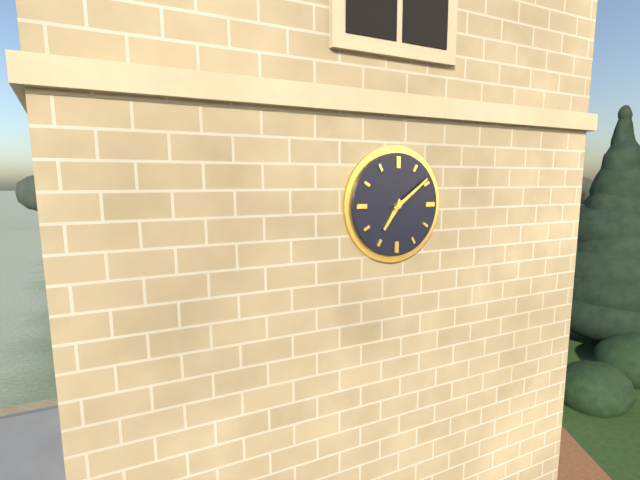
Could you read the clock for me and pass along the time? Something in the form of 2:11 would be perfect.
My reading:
7:09
